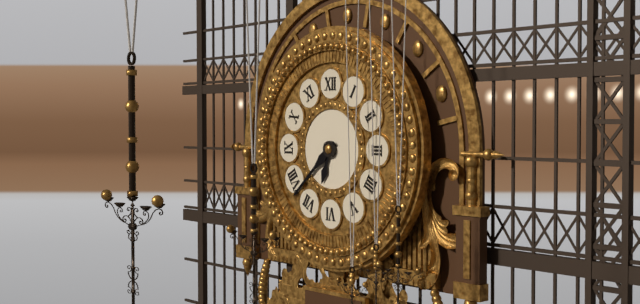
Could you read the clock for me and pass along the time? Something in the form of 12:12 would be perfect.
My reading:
6:38
